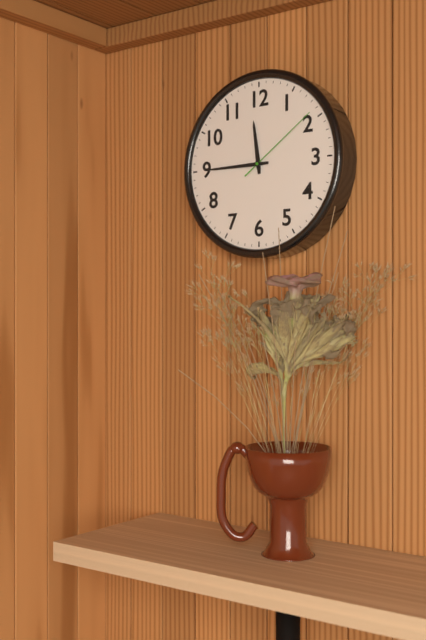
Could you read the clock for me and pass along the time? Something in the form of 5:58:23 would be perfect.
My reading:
11:45:09
